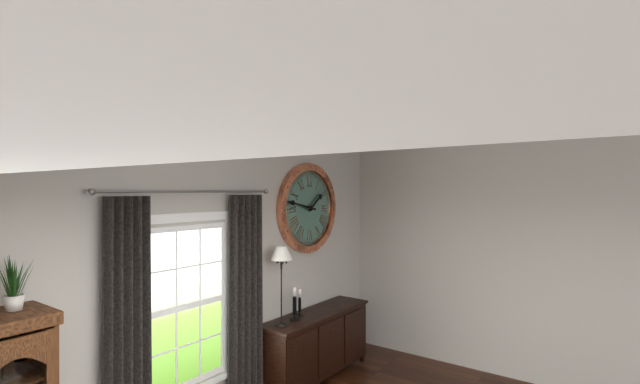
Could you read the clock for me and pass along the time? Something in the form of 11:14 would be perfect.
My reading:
1:47
